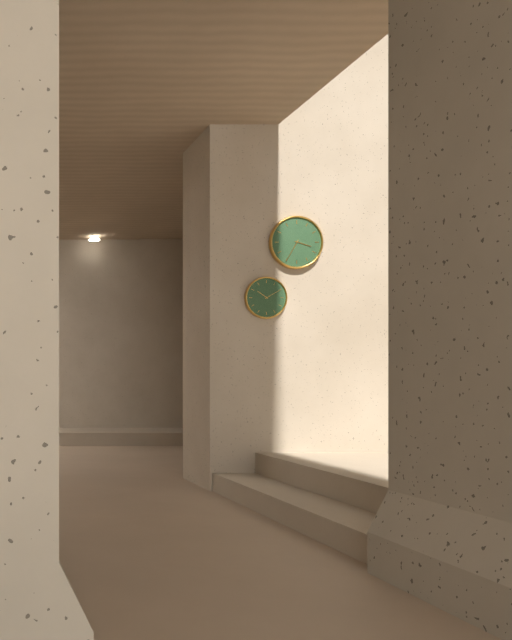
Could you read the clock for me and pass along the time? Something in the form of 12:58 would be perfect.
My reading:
3:35
